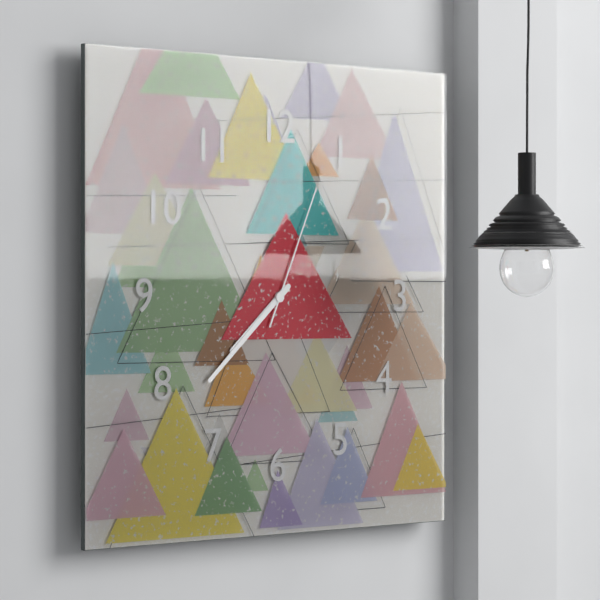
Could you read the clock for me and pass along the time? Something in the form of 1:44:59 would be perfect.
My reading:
7:38:04
